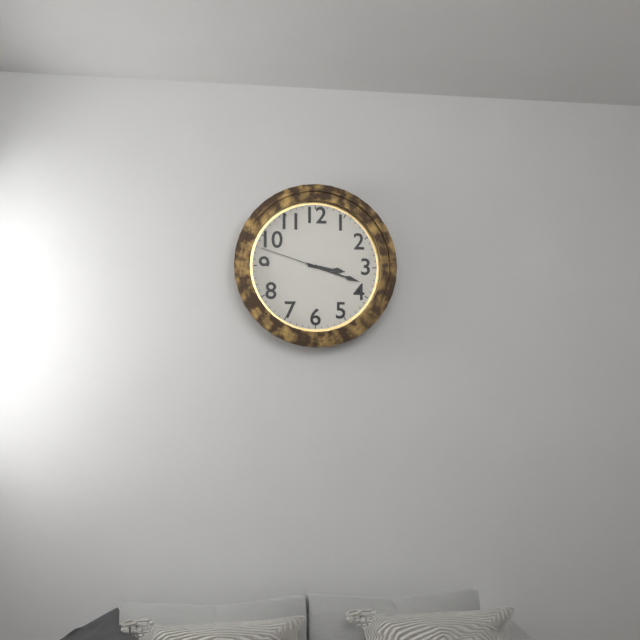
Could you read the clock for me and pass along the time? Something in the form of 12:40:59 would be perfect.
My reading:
3:18:48
